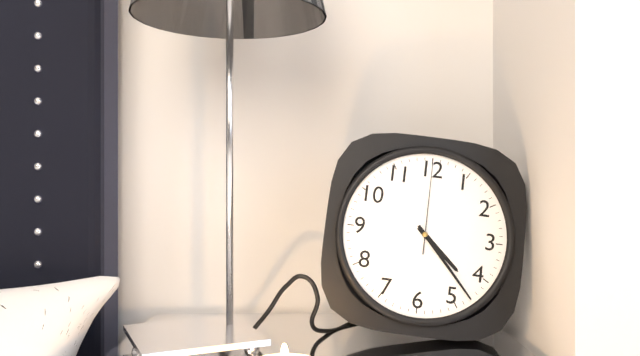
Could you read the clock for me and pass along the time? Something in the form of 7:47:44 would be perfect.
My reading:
4:23:00
